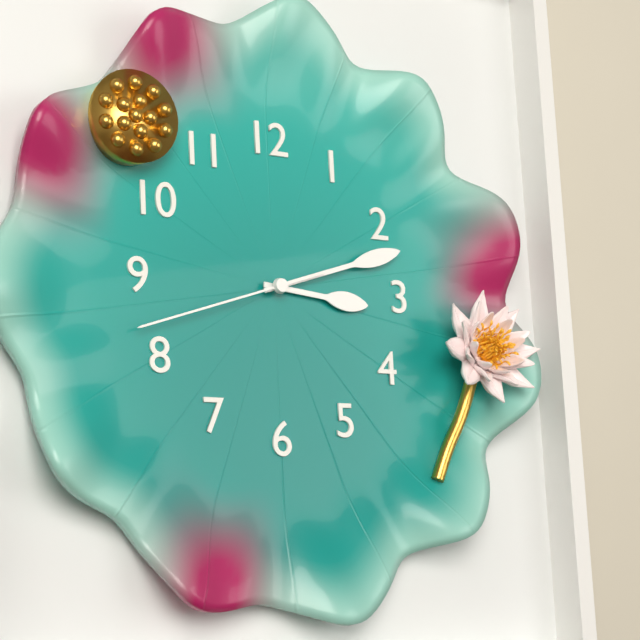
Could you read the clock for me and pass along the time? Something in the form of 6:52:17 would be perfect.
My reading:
3:12:42
